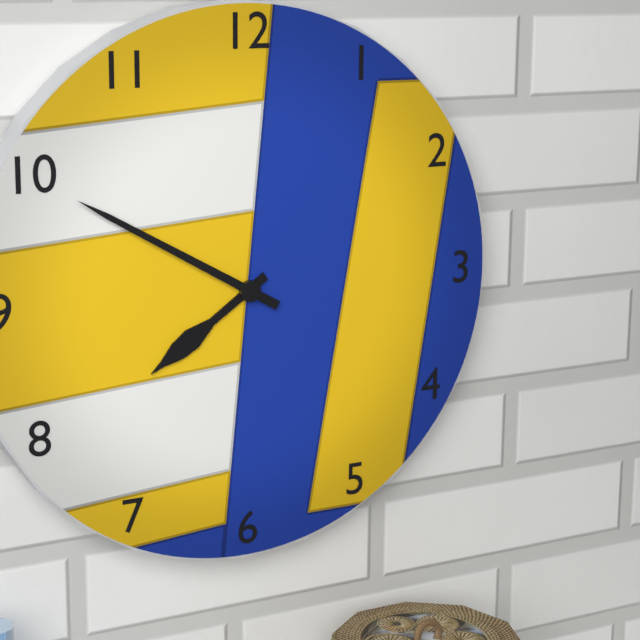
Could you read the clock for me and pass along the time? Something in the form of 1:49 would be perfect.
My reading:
7:50
